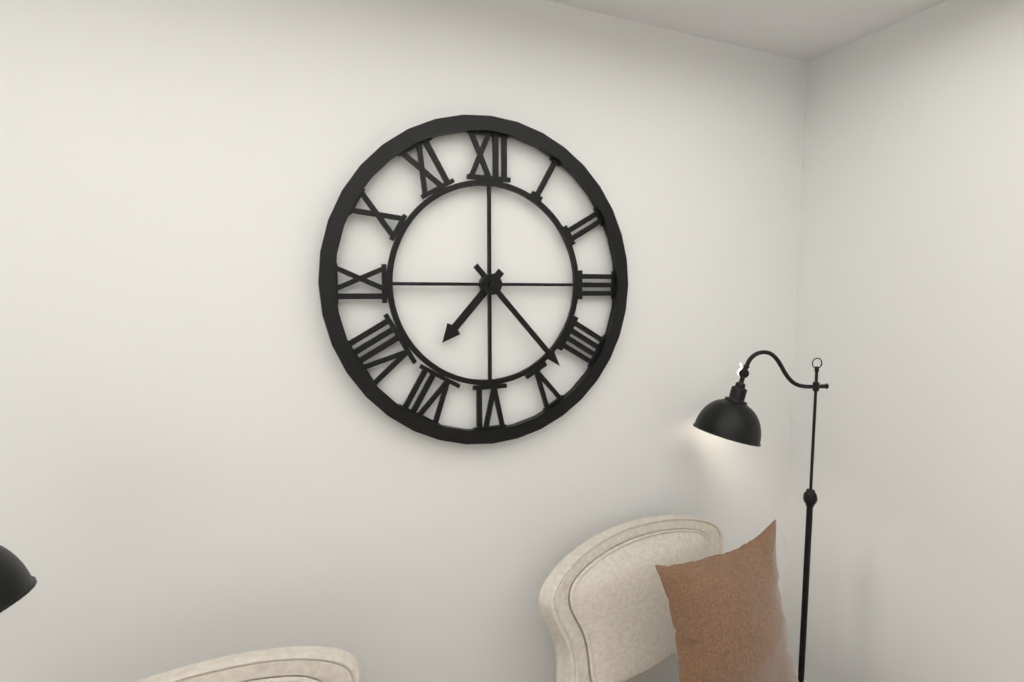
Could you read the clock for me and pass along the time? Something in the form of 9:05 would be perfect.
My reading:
7:23
